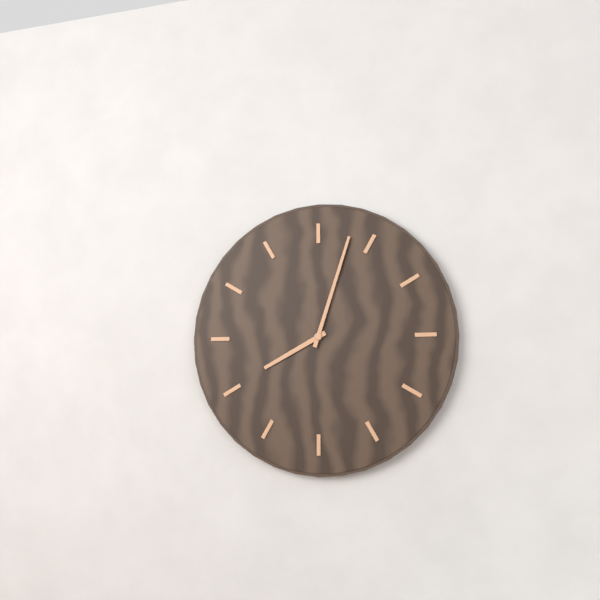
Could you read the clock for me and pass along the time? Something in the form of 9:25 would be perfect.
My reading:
8:03
